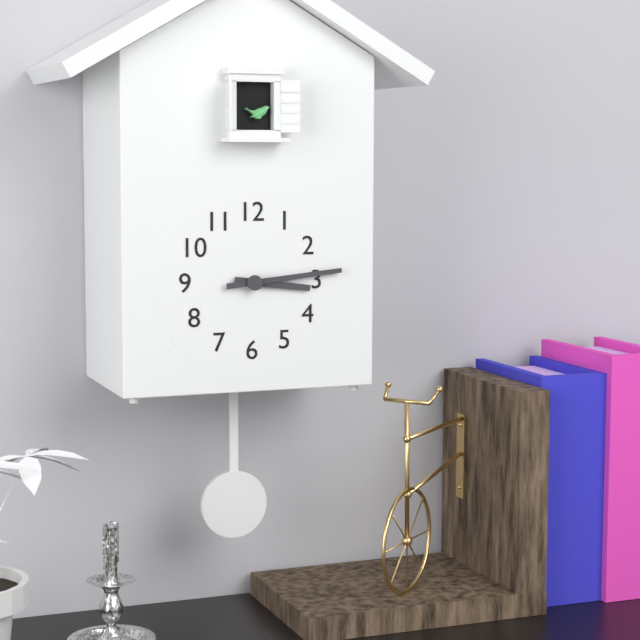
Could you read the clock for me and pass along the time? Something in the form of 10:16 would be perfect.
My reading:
3:14
